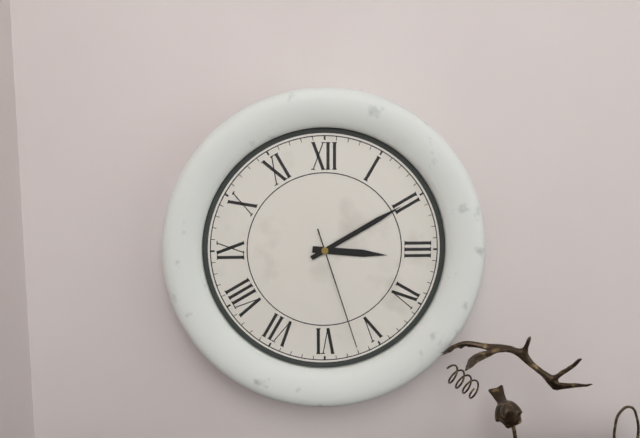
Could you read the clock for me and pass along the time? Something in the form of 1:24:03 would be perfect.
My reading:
3:10:27
